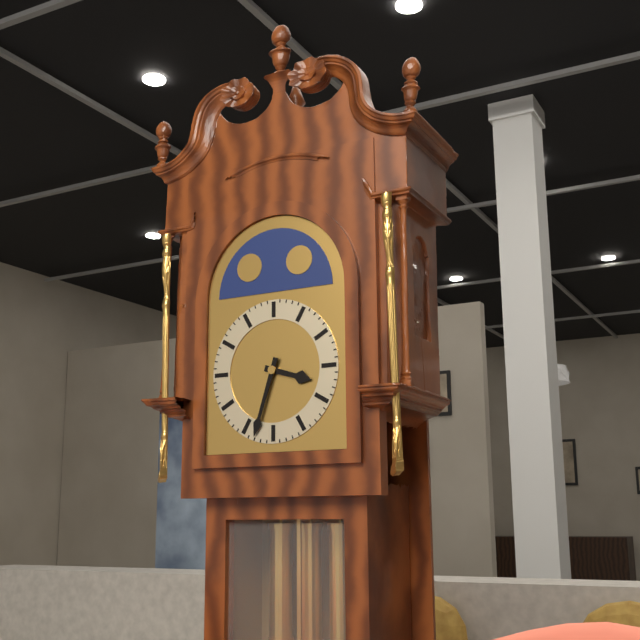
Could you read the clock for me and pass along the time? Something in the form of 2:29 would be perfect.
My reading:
3:33
